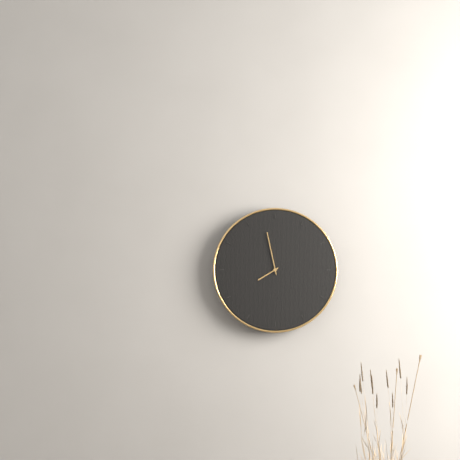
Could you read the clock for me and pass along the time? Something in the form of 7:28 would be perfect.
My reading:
7:58
